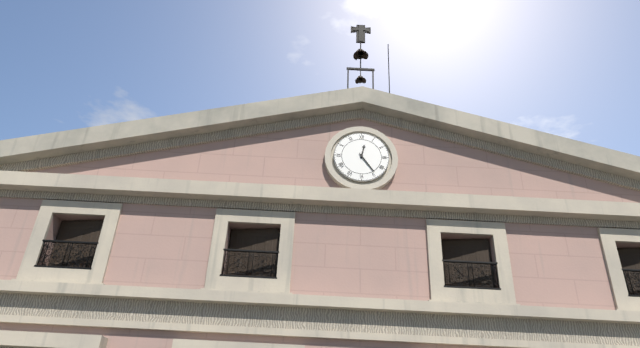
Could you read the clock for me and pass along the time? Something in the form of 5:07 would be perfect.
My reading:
12:24
